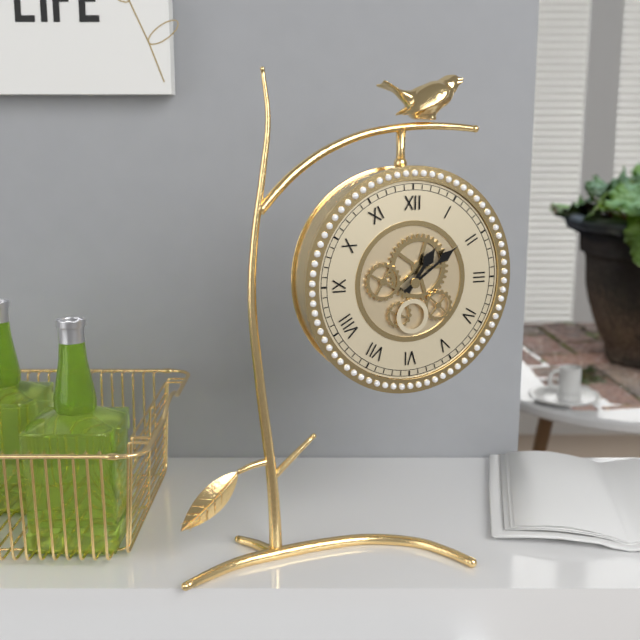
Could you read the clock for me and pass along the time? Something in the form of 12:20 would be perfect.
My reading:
1:09
